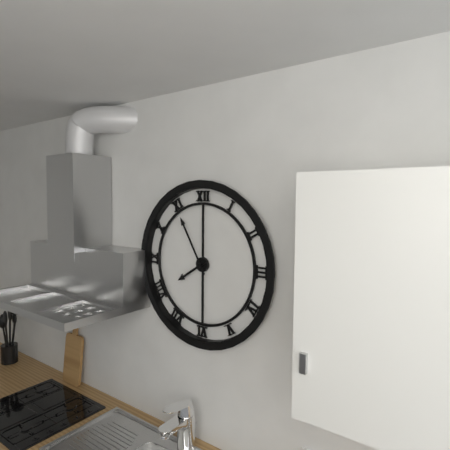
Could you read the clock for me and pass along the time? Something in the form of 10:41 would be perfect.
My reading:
7:55
